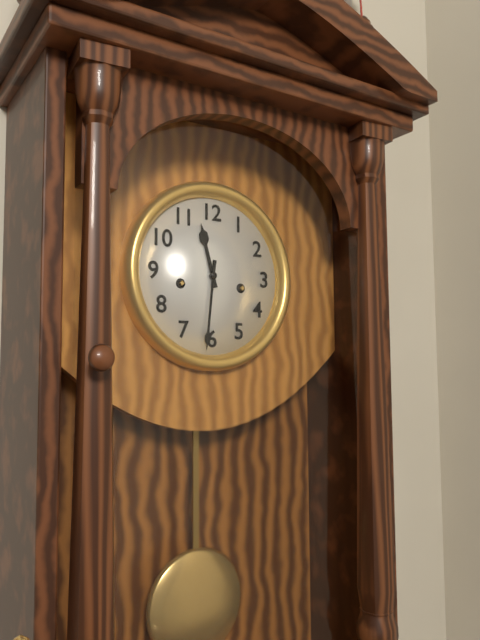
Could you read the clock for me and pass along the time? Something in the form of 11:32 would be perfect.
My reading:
11:31
